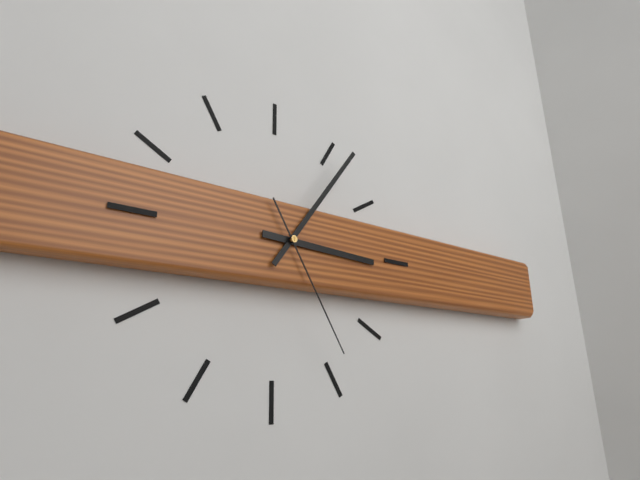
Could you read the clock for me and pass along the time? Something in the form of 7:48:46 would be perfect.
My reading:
3:06:25
